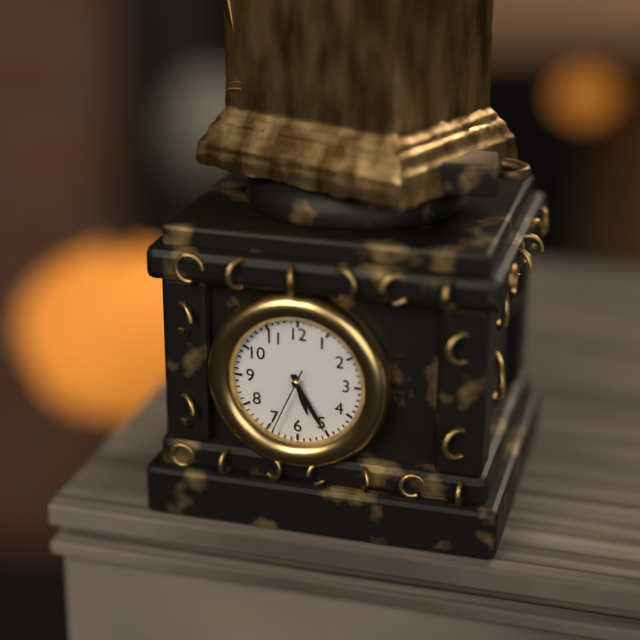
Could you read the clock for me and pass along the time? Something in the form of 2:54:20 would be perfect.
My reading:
5:25:34
